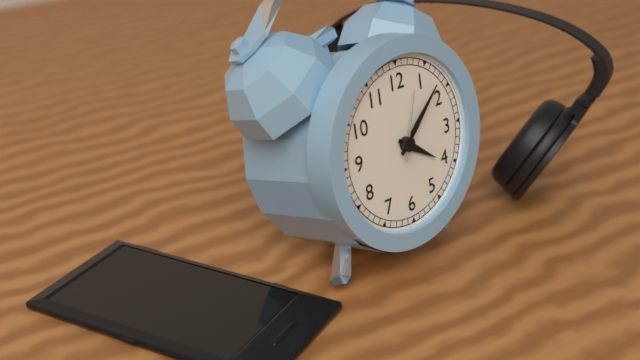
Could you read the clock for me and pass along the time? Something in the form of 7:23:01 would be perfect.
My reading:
4:08:03
